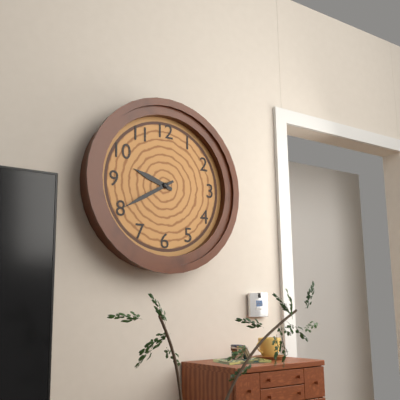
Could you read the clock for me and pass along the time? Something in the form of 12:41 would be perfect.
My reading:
9:40
